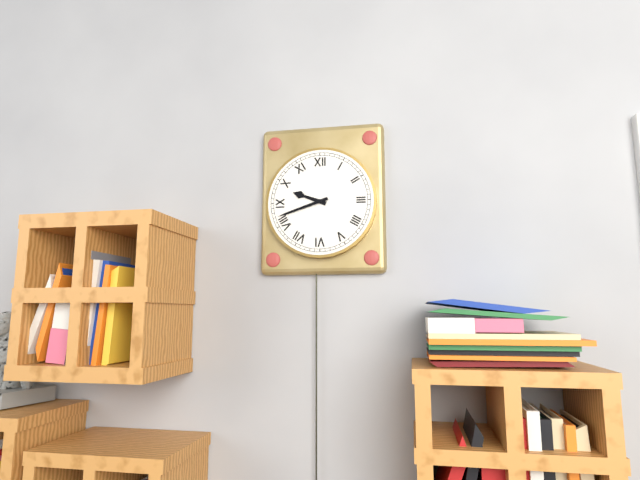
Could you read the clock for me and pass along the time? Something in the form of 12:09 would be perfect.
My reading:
9:42
